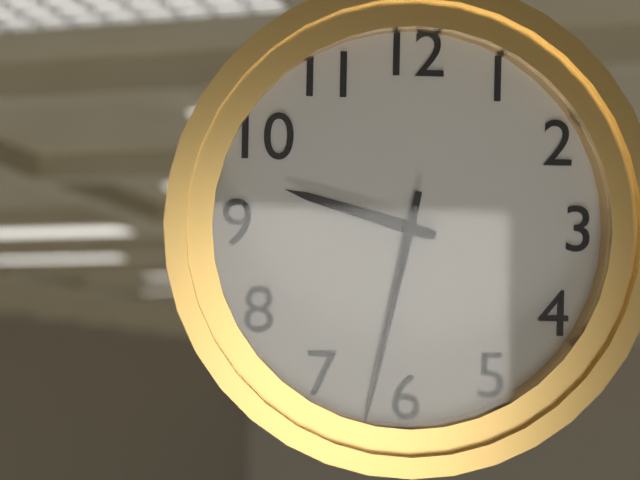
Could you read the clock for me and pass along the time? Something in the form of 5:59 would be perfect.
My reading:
9:32
